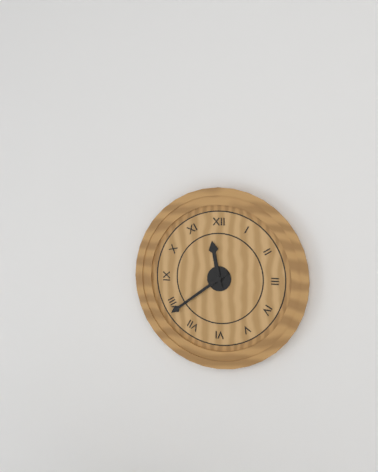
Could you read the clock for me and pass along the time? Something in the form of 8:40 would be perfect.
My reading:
11:39
